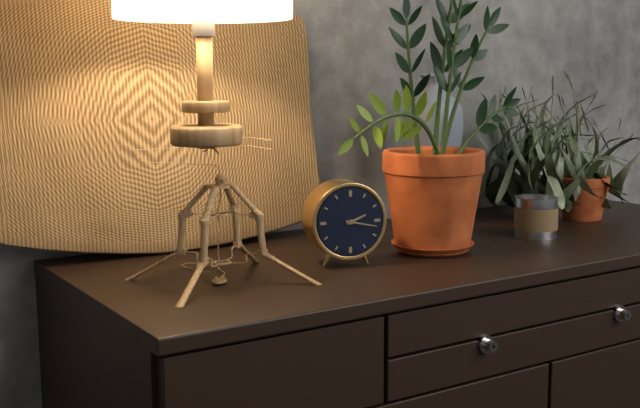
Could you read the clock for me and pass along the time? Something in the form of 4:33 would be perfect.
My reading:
2:17
